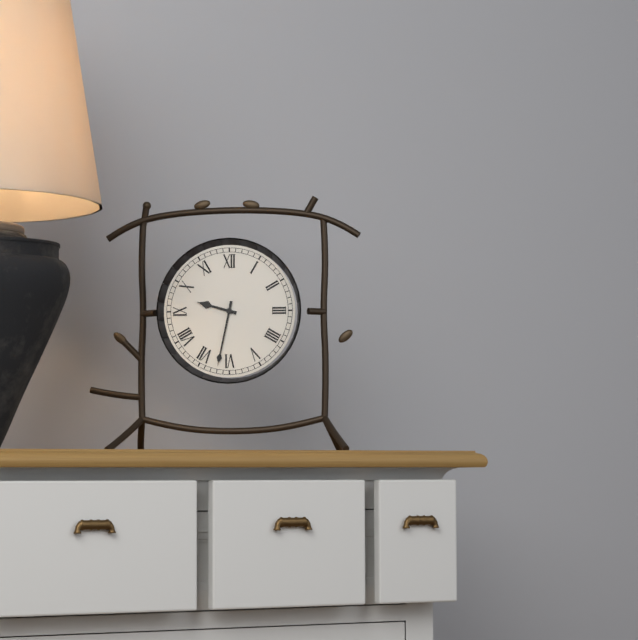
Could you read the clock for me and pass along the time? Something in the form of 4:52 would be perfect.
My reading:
9:32
